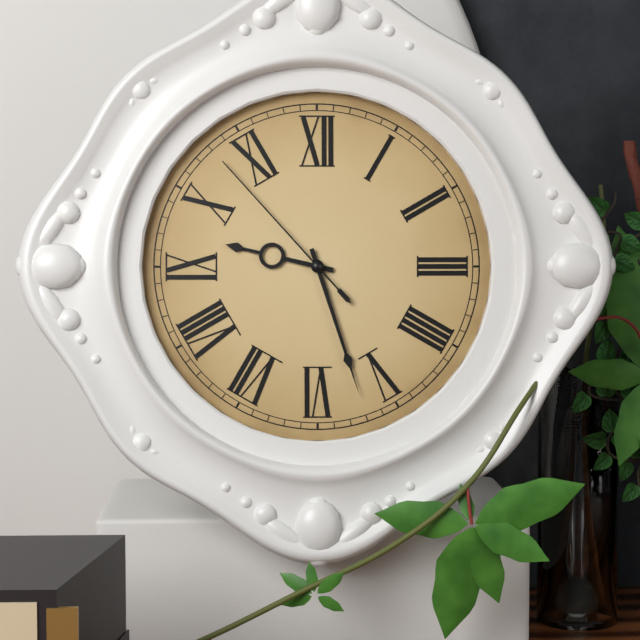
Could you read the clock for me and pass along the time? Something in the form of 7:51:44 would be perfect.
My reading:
9:27:53
